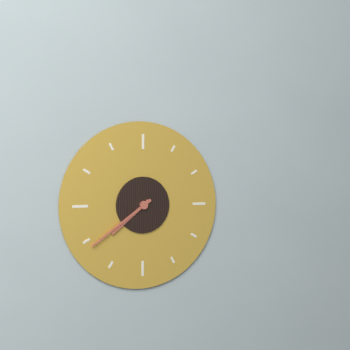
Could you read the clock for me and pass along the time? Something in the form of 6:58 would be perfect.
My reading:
7:39
